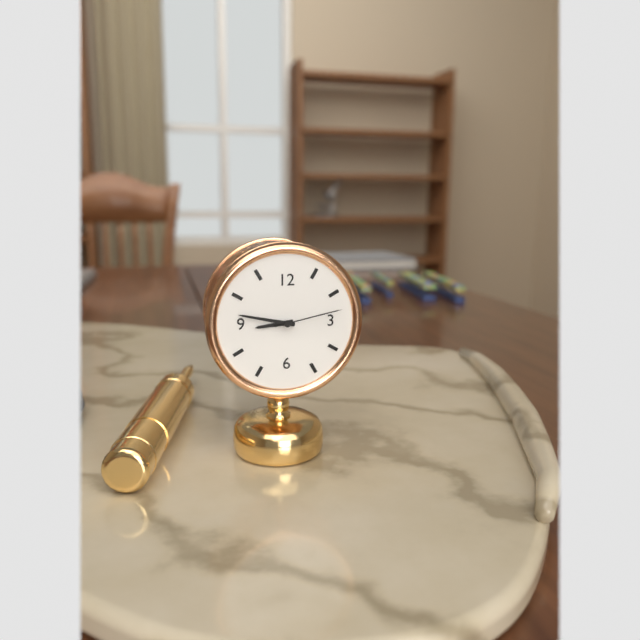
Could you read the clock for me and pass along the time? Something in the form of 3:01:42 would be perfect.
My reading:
8:47:13
